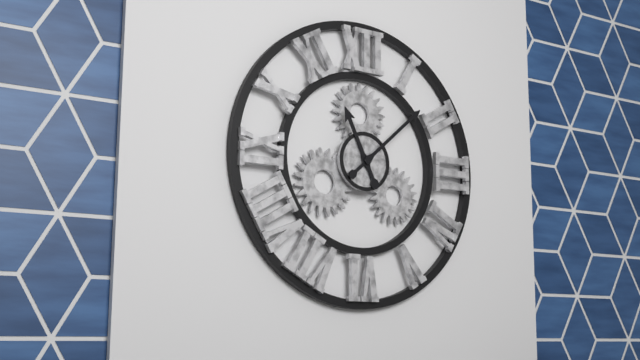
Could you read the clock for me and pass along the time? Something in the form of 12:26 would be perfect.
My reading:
11:08
